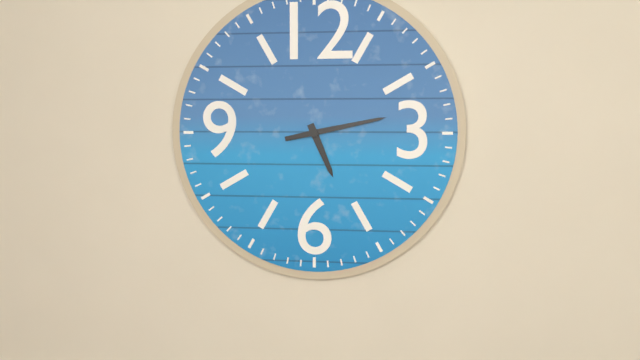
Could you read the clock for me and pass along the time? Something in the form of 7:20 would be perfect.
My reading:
5:13
